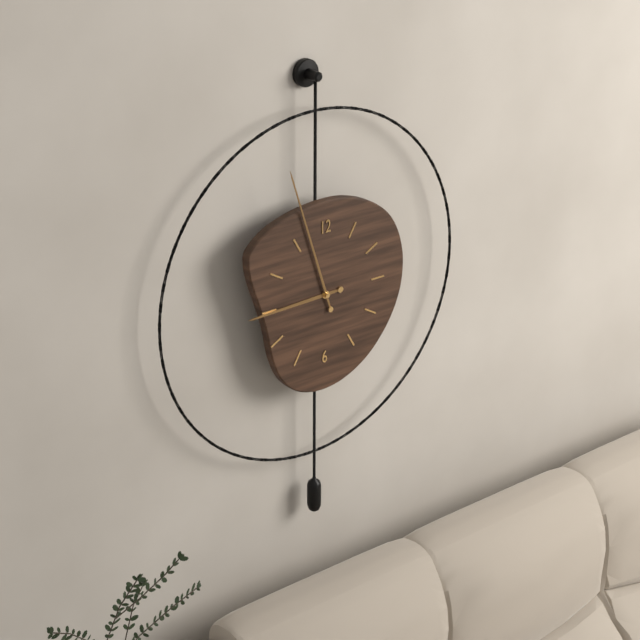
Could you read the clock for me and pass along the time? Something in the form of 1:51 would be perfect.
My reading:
8:57
